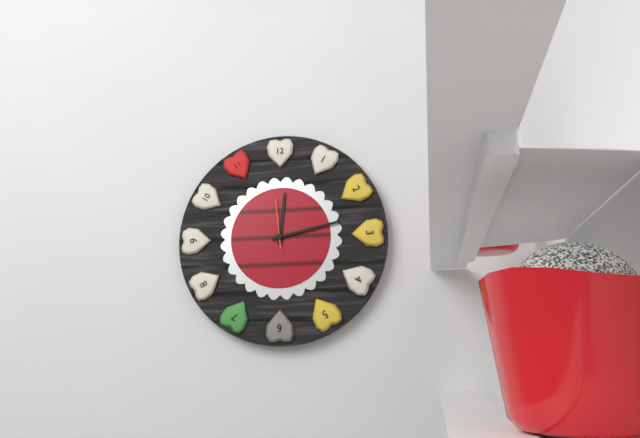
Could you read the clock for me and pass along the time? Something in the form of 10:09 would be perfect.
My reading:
12:13
